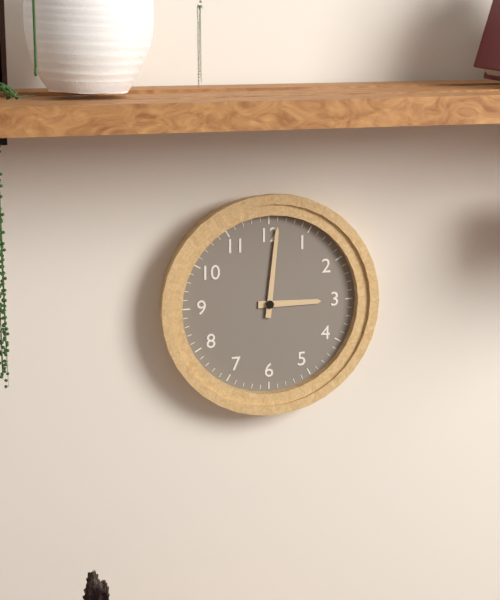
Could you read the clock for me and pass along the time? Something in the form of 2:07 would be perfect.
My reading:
3:01
